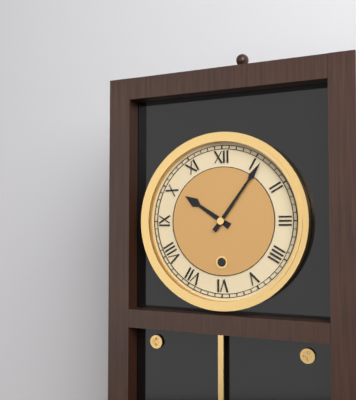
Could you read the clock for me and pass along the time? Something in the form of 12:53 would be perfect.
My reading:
10:06
